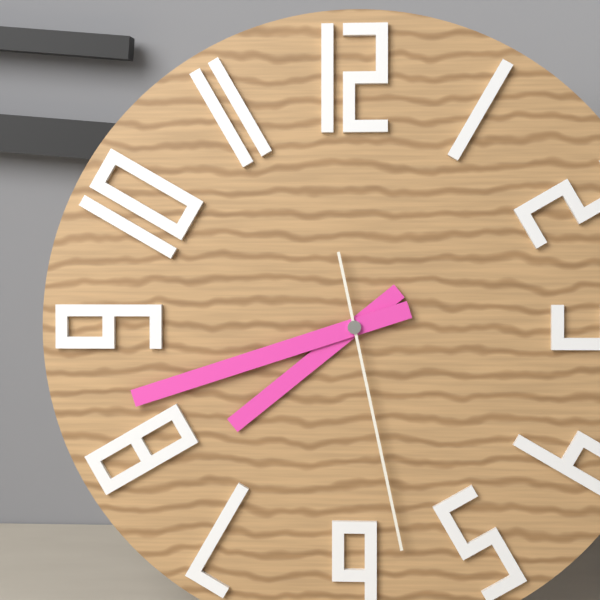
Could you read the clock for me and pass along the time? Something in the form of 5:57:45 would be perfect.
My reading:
7:42:28
